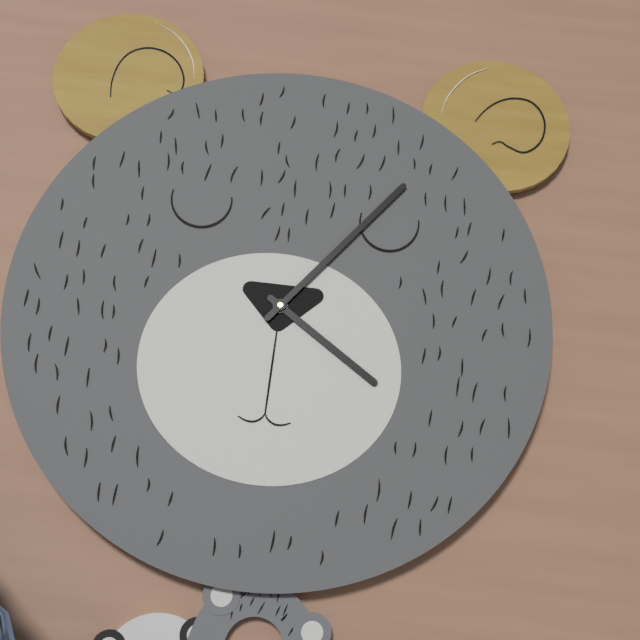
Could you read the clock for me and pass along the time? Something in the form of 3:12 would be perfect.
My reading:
4:06
